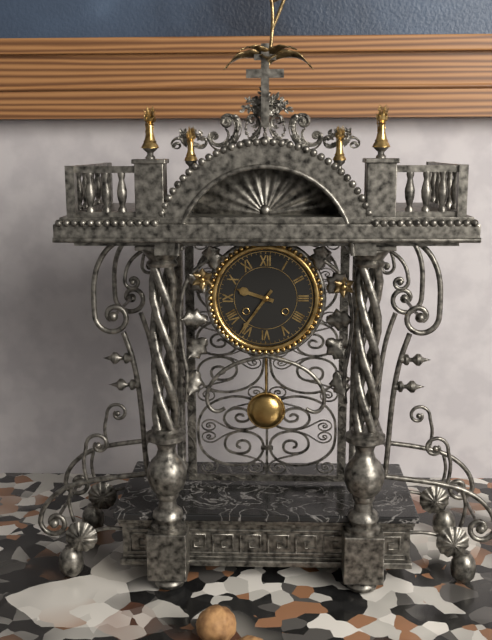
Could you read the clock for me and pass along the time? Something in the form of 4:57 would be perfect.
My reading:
9:36
